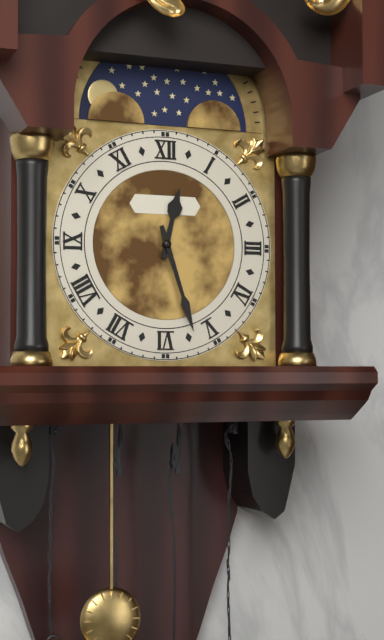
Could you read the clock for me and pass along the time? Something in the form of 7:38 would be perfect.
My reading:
12:27
